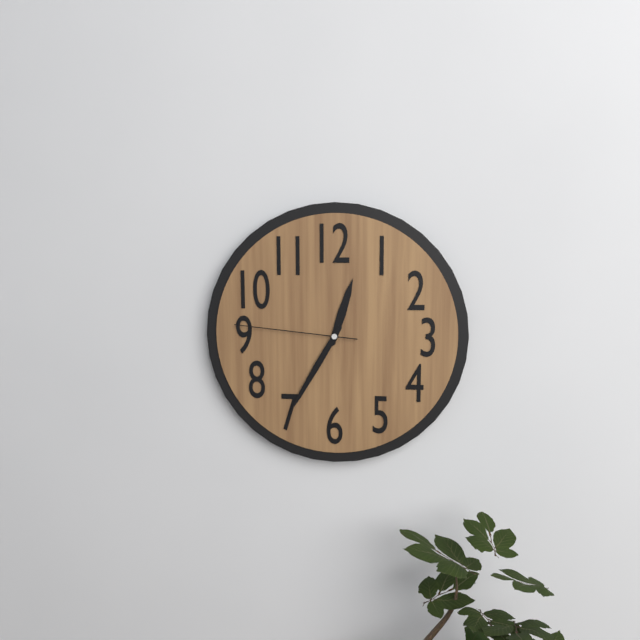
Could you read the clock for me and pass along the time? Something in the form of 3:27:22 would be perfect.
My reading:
12:35:46
